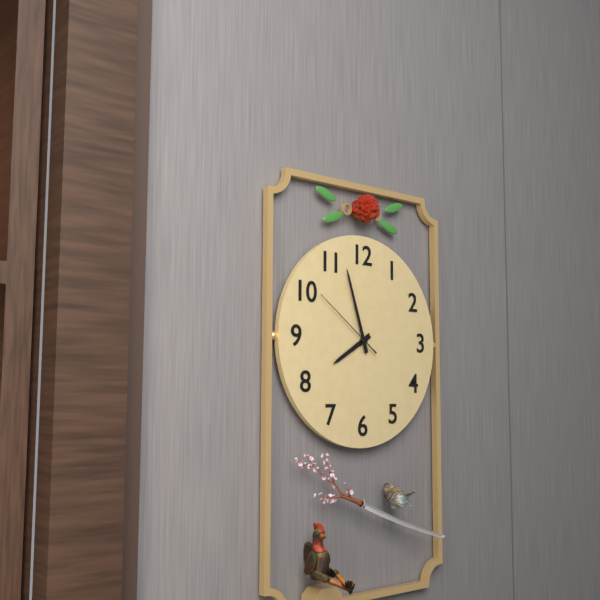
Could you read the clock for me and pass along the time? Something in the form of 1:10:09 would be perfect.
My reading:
7:57:51
